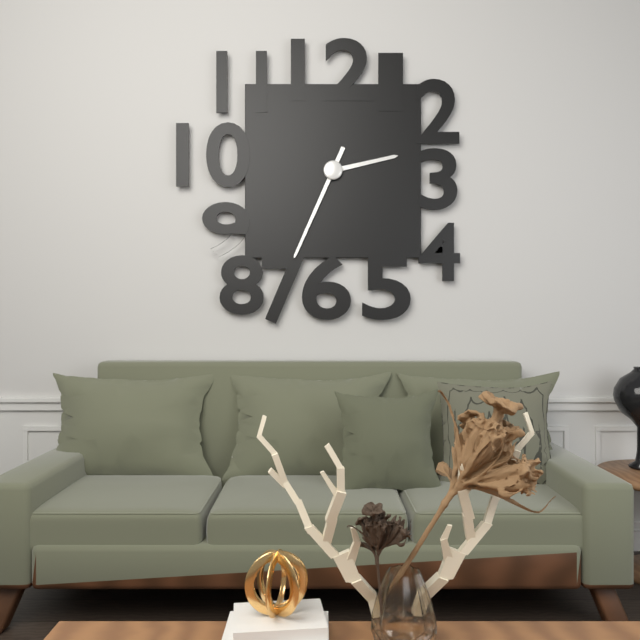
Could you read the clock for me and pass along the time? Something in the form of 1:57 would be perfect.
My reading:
2:34
